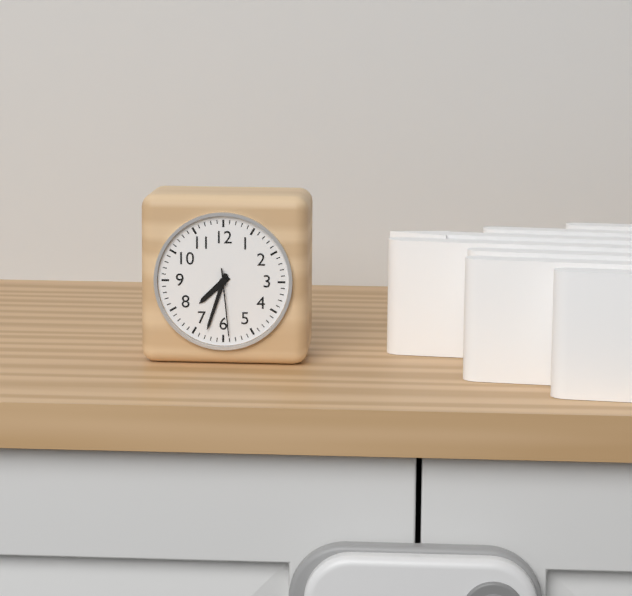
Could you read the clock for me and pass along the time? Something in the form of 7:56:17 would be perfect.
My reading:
7:33:29
